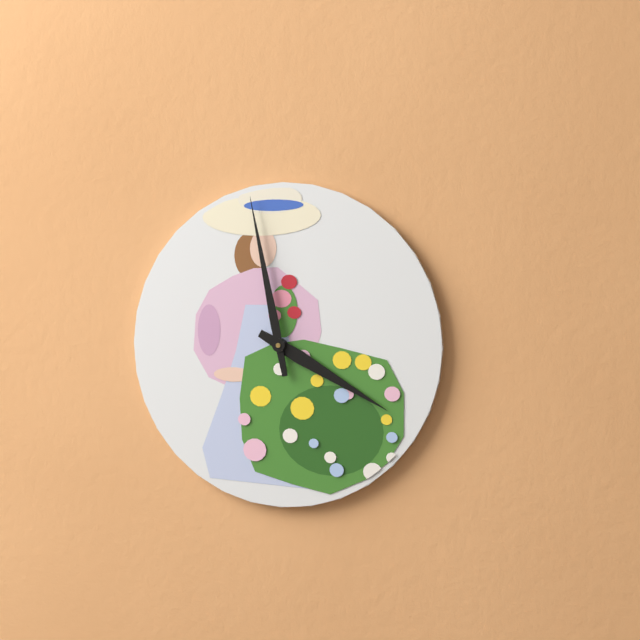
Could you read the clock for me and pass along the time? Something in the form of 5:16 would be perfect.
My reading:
3:58
